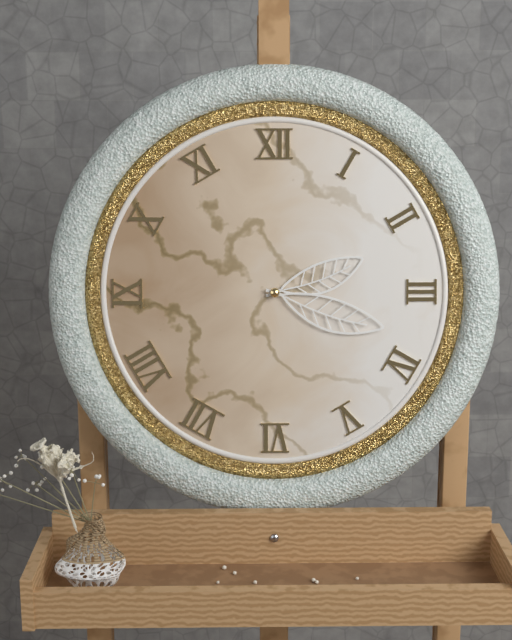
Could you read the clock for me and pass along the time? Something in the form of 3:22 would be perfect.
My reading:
2:18
